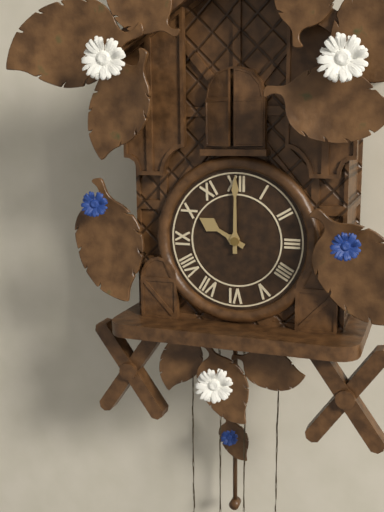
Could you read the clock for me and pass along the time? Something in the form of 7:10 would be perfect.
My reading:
10:00
